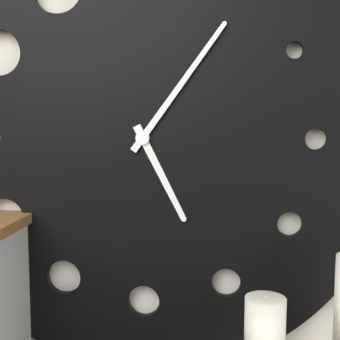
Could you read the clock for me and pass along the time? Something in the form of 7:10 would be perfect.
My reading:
5:06
